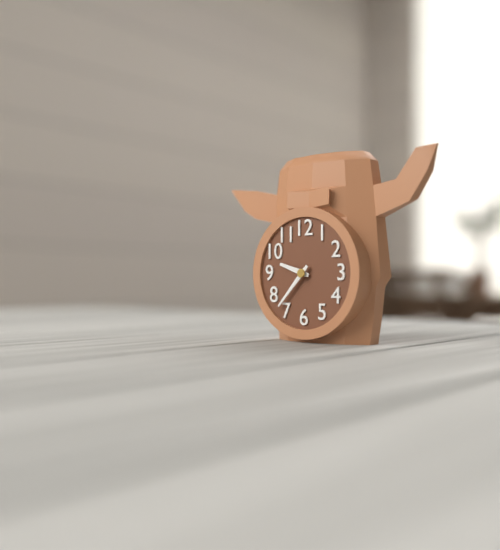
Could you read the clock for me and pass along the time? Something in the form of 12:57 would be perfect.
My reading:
9:37
